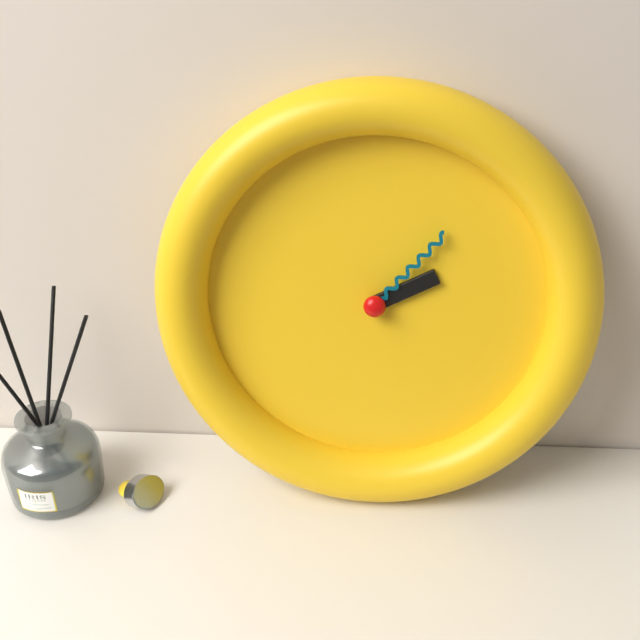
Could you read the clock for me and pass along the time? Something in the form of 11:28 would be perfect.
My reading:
2:07
